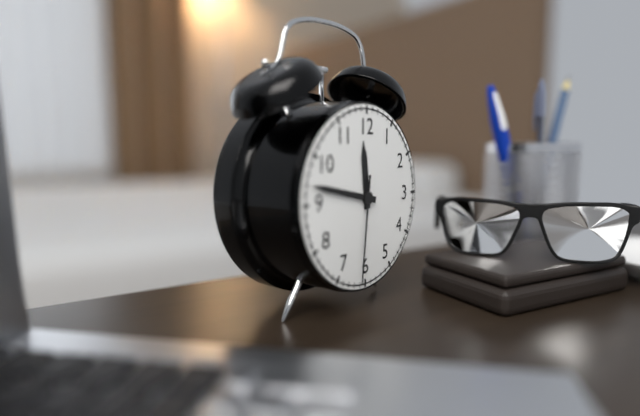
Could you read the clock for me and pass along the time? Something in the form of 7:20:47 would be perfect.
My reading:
11:47:31
